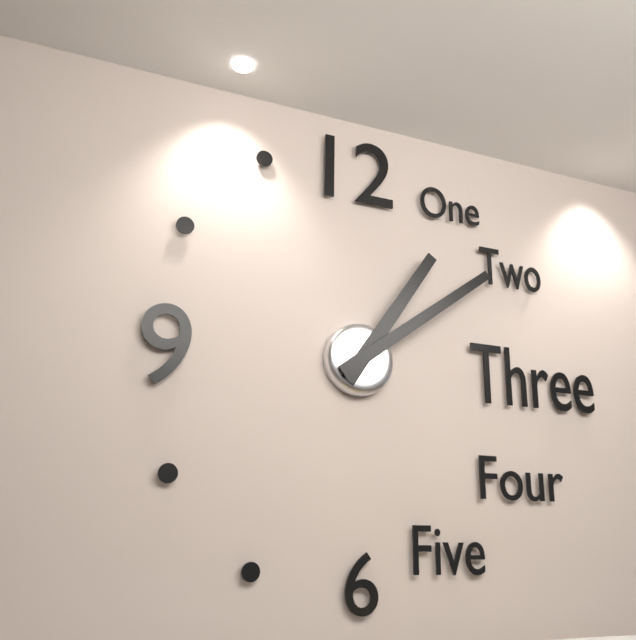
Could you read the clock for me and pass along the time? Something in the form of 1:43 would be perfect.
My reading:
1:09
